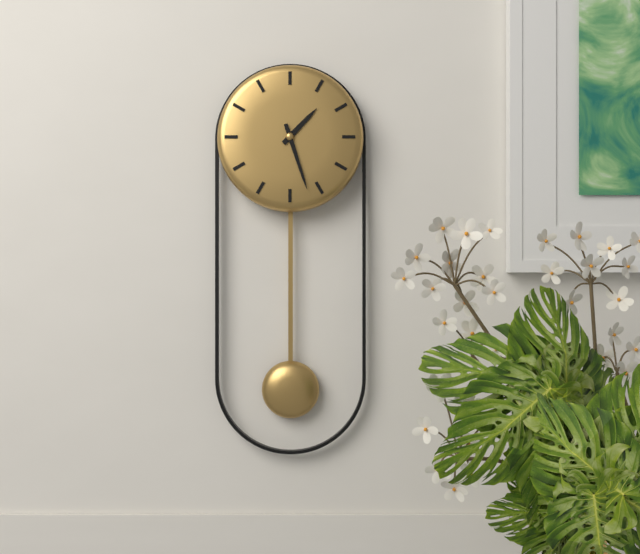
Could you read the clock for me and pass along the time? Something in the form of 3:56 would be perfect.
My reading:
1:27
